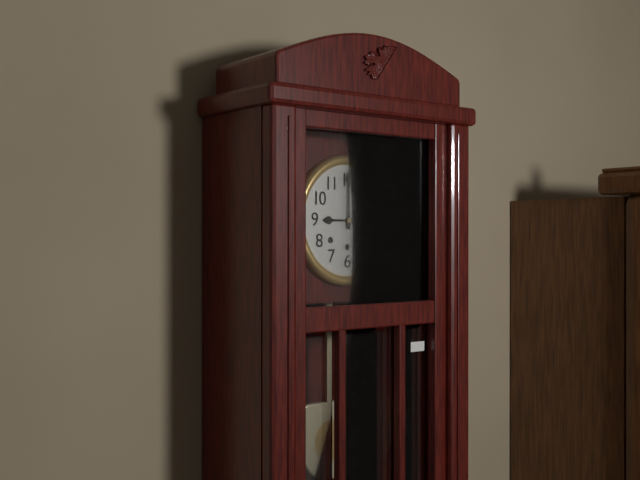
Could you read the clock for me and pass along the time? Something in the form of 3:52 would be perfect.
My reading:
9:00
